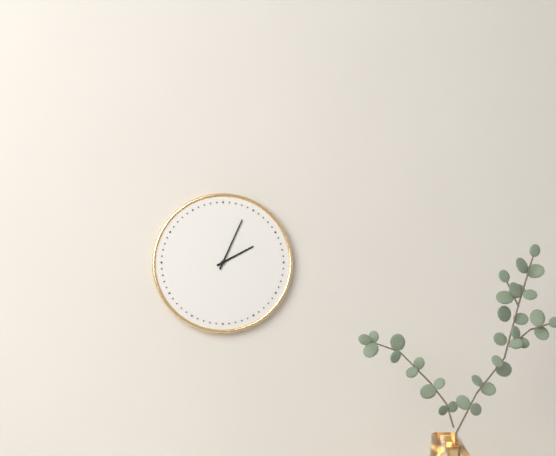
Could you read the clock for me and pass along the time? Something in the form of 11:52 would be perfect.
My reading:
2:04
